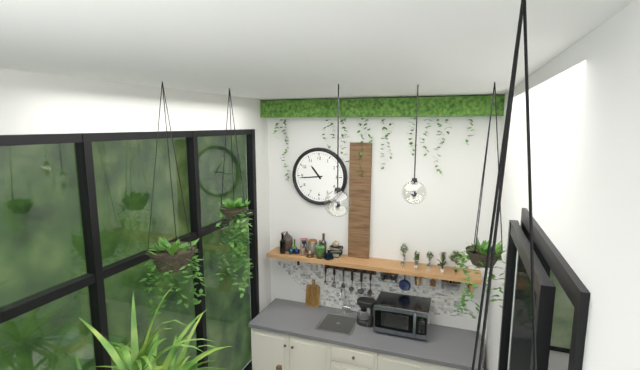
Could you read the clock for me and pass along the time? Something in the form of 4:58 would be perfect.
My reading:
10:44
